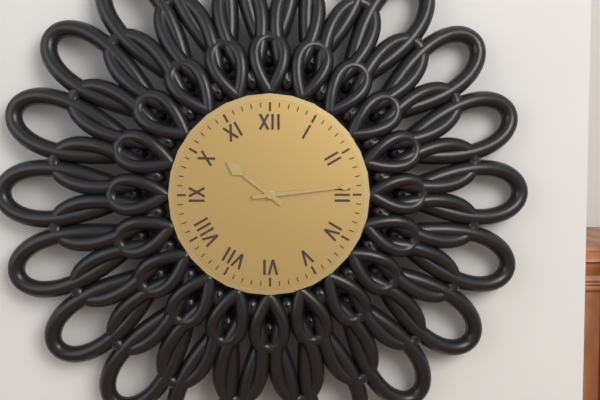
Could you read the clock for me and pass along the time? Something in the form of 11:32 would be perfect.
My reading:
10:14
